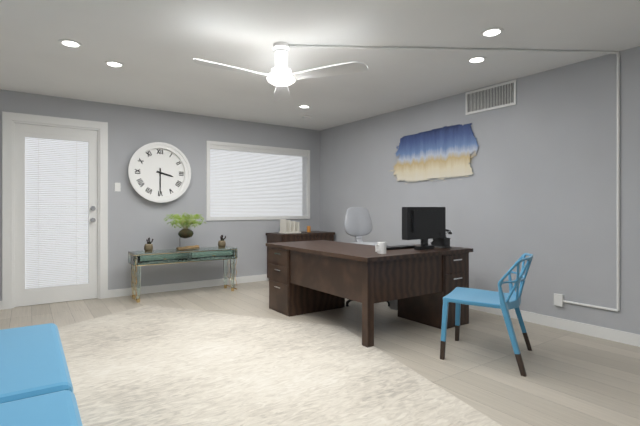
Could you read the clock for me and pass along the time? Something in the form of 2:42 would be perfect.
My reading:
3:30
